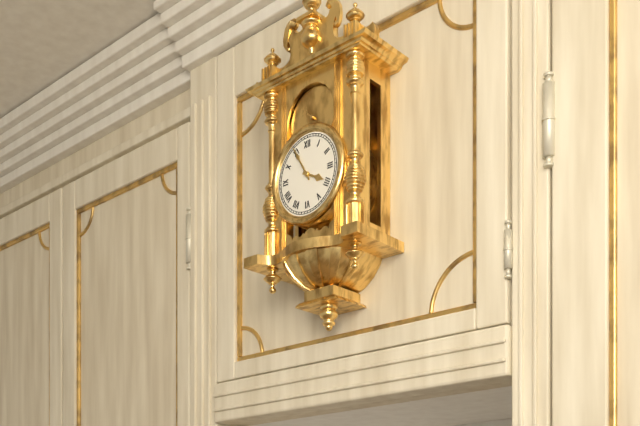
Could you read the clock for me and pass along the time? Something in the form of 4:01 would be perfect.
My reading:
3:55
